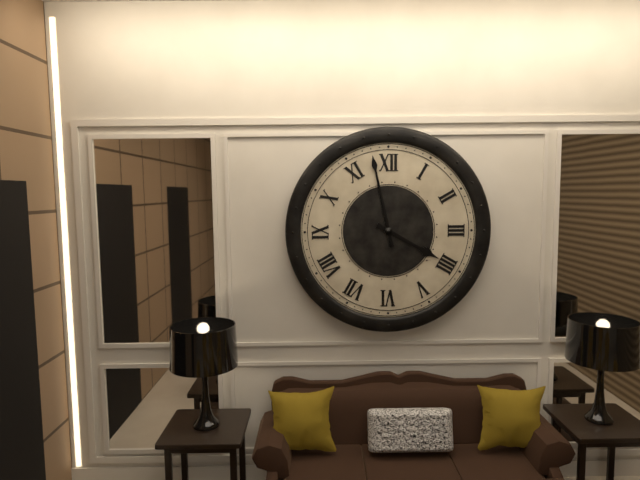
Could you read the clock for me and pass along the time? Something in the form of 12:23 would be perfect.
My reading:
3:58
